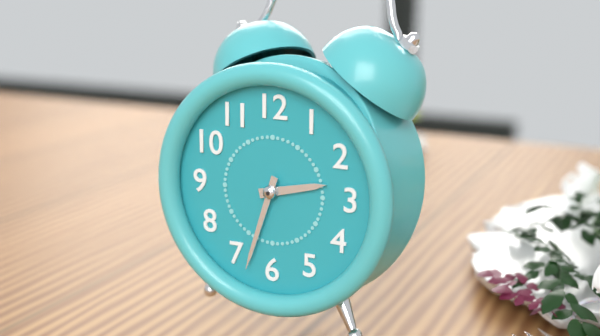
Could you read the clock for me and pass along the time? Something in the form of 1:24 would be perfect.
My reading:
2:33
